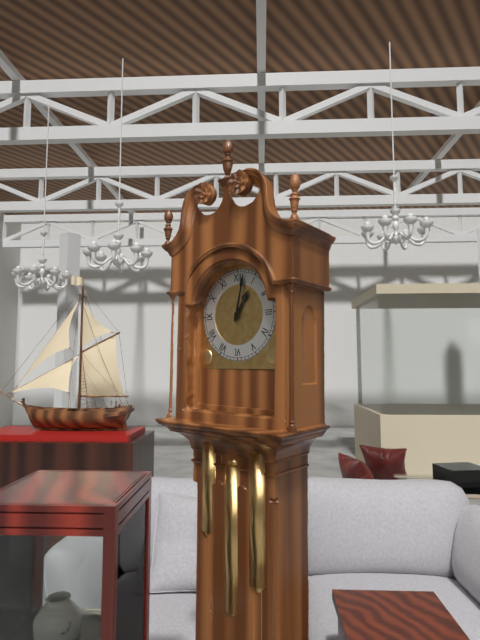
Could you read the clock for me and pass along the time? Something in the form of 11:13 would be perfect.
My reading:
1:02
